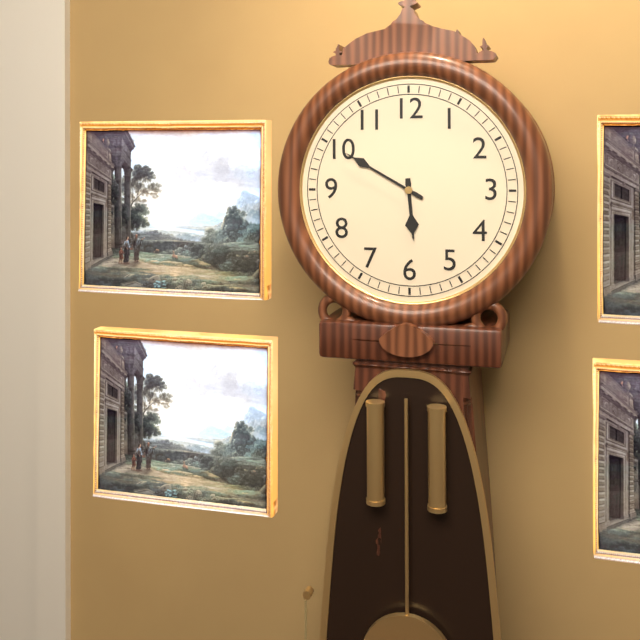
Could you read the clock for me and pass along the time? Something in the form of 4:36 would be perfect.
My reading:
5:50
